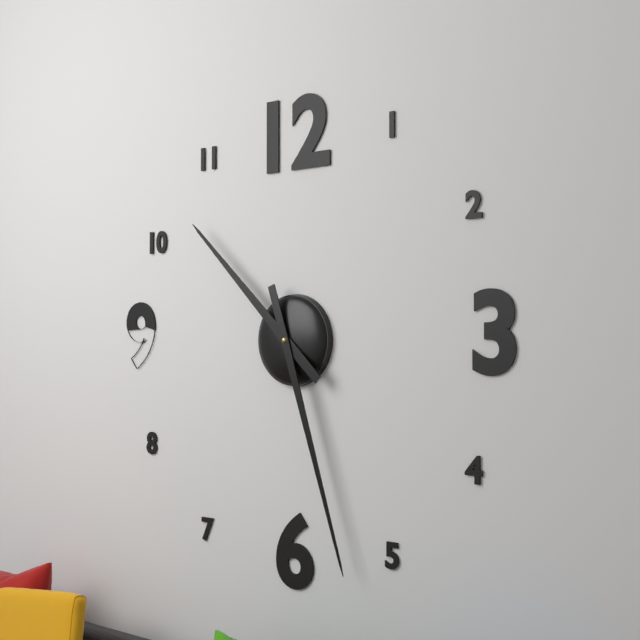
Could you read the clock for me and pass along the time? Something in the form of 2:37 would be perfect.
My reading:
10:27
